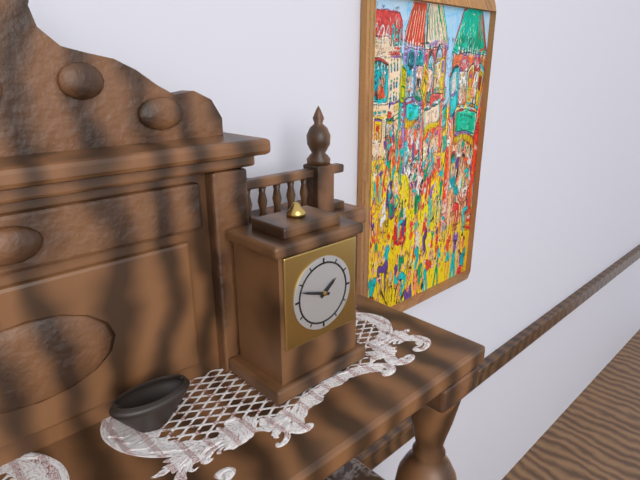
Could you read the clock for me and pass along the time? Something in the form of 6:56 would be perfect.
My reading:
1:48
